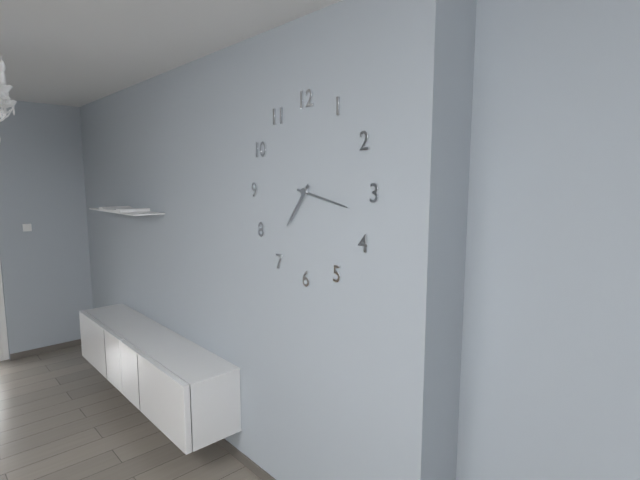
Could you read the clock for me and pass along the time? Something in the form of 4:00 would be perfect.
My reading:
7:17
